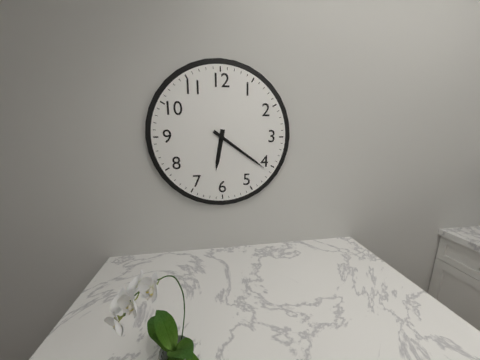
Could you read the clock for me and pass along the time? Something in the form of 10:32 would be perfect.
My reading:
6:21
